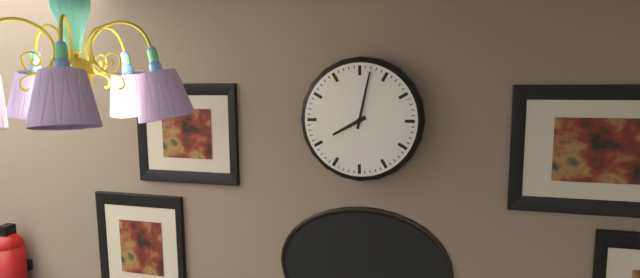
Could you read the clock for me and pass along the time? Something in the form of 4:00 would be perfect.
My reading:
8:02
